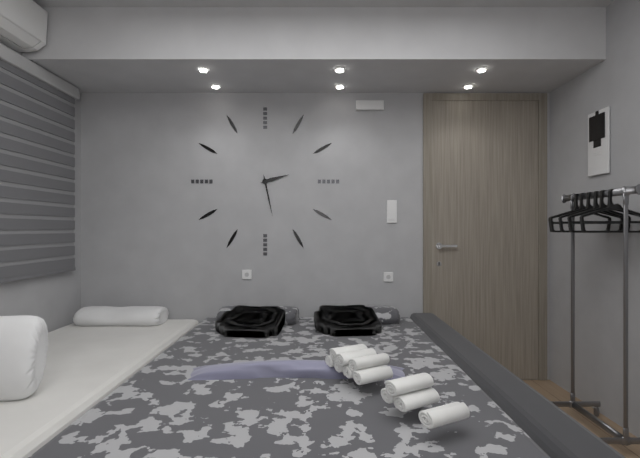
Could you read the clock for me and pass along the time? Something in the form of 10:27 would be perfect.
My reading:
2:28
